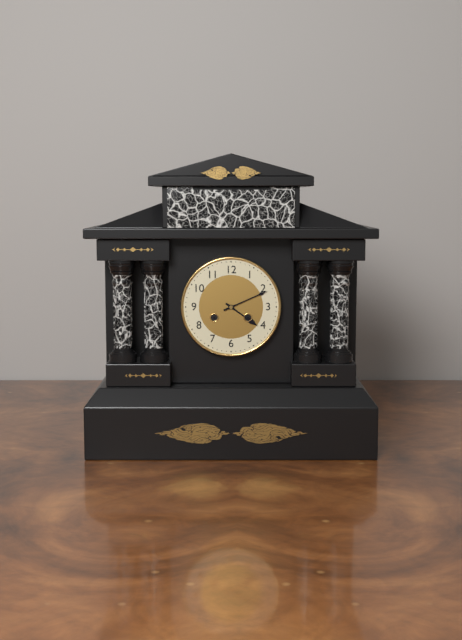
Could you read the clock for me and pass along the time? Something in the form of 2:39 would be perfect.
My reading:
4:11
